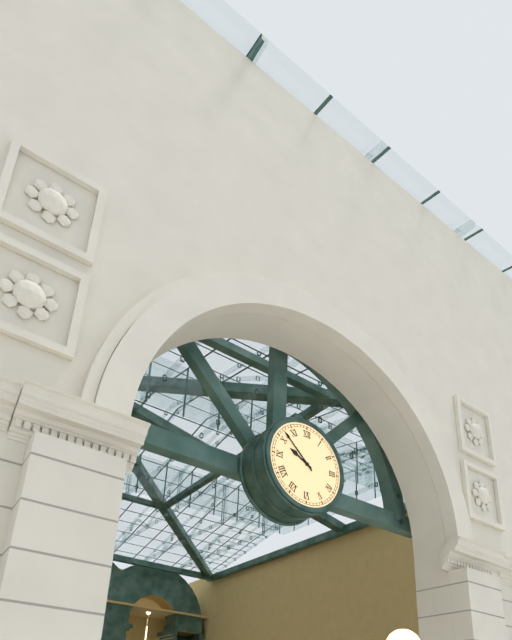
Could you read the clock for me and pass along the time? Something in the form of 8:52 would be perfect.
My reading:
9:52
